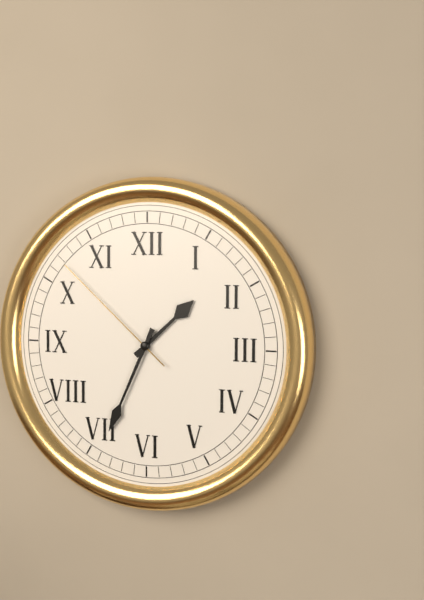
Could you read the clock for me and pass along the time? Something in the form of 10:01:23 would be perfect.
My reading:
1:34:52
